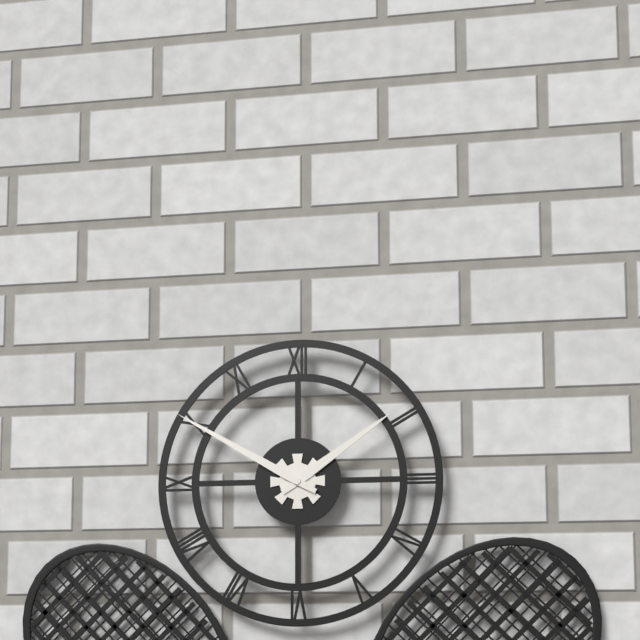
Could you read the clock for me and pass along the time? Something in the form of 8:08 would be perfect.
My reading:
1:50
